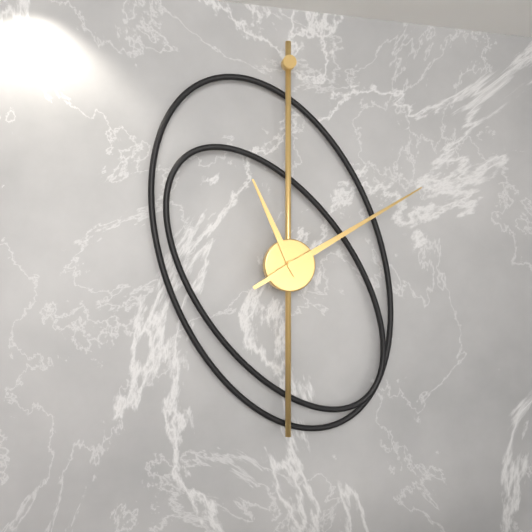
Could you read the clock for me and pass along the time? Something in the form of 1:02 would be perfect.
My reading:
11:10
